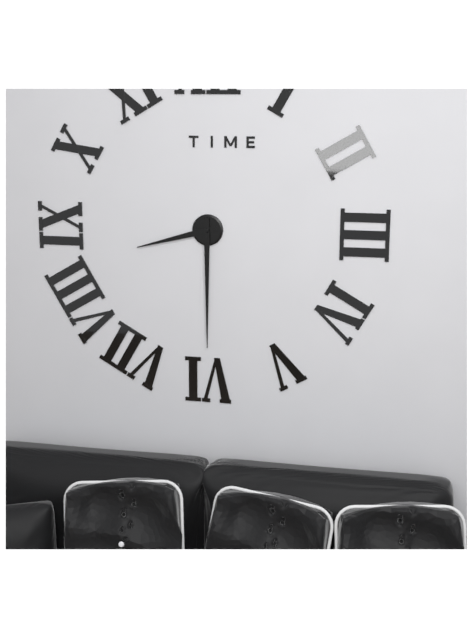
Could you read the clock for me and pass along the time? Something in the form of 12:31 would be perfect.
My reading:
8:30
